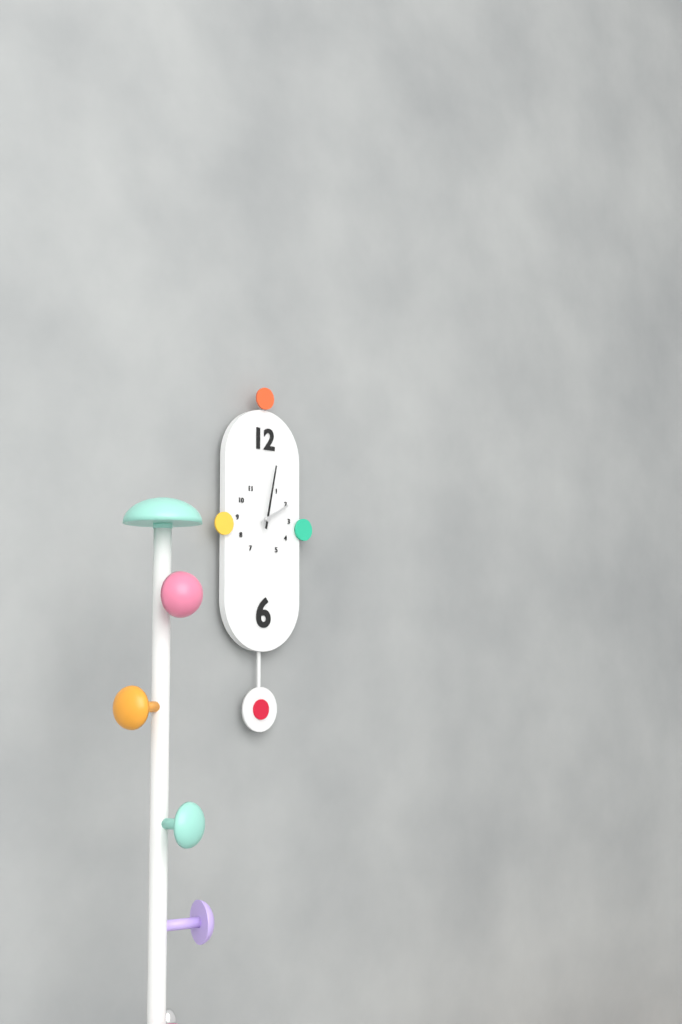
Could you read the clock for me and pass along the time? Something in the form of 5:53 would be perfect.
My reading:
2:02
